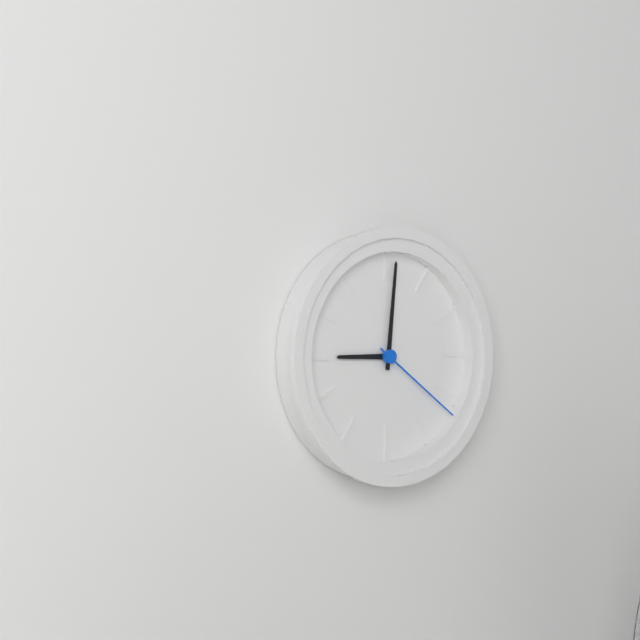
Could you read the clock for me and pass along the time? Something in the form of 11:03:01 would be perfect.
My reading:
9:01:21
